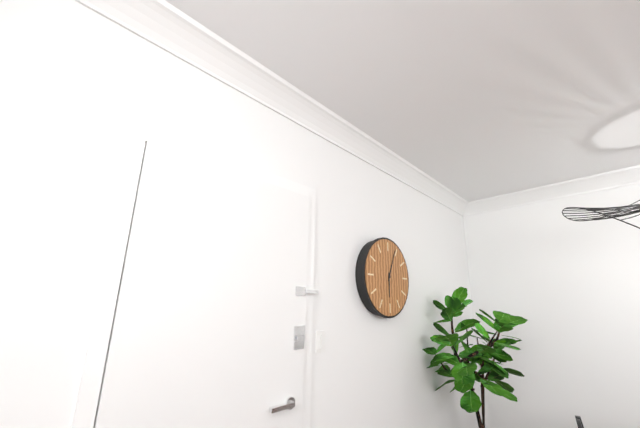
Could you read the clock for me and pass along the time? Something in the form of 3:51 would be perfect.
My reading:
6:04
